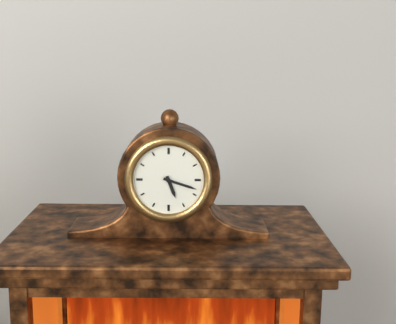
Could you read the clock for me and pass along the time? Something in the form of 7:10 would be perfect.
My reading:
5:18
